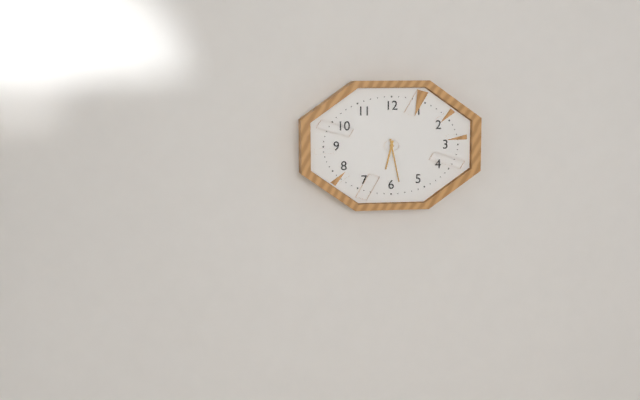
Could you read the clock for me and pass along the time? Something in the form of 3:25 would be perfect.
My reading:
6:28
